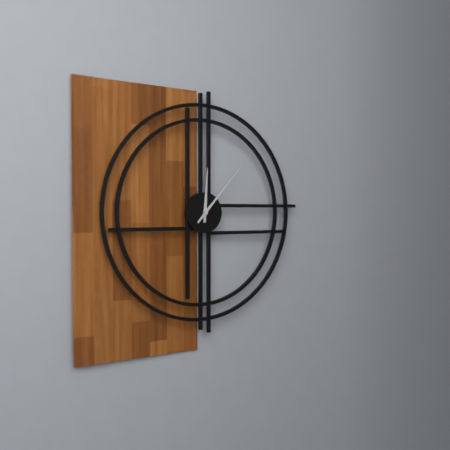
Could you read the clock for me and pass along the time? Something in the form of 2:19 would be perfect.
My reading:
12:07
